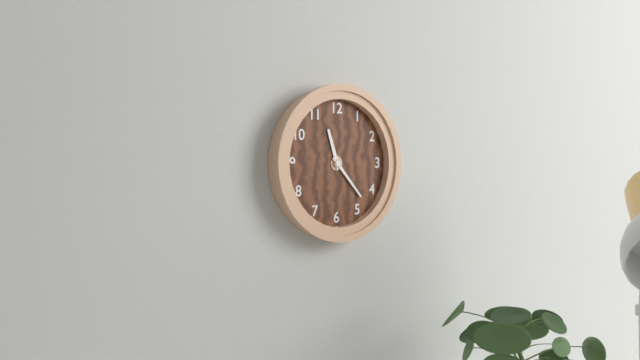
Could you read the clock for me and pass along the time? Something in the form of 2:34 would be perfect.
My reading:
11:23
